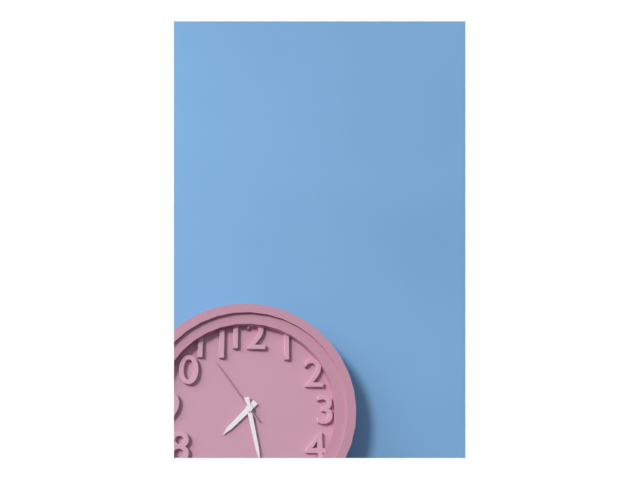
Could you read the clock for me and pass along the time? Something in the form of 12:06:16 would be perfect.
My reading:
7:28:54
